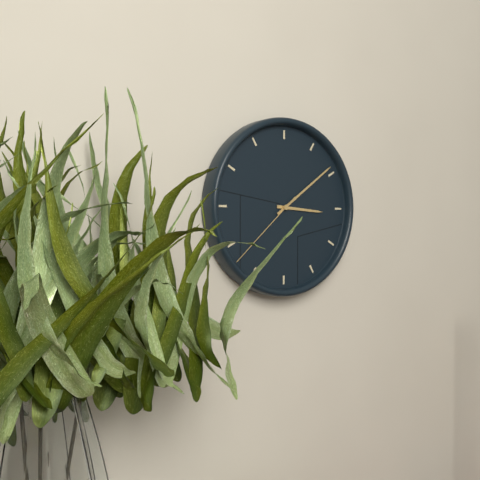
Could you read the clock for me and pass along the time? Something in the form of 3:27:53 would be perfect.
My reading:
3:09:38
